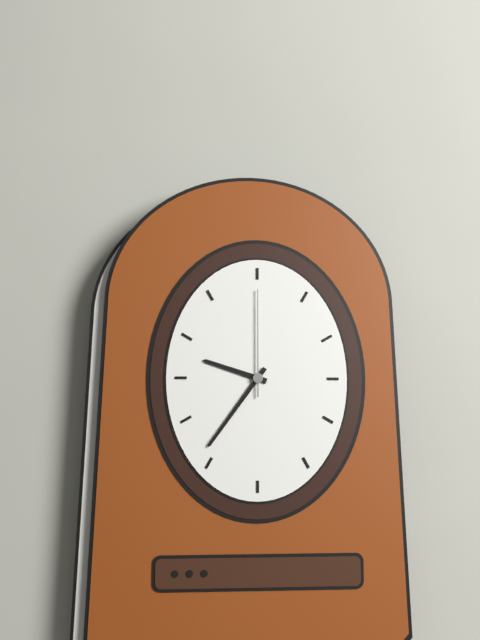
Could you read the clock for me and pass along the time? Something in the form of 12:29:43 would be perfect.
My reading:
9:36:00
